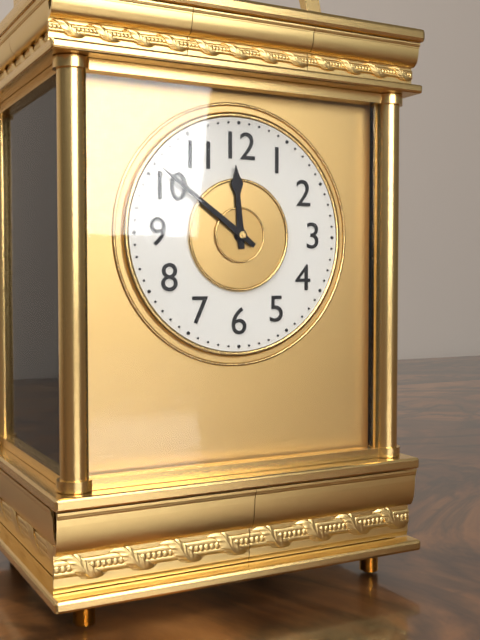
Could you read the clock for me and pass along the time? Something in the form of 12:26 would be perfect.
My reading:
11:51
